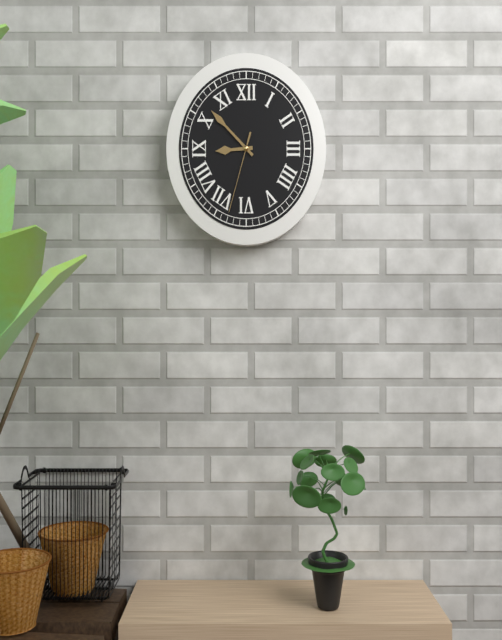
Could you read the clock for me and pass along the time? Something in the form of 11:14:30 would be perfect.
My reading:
8:52:33
